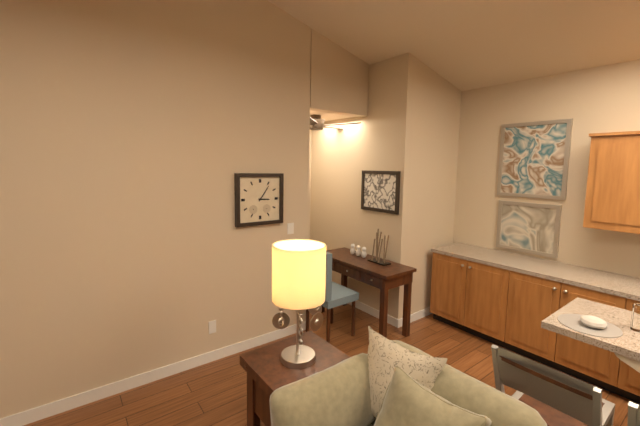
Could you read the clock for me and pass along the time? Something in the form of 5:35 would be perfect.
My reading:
3:06
